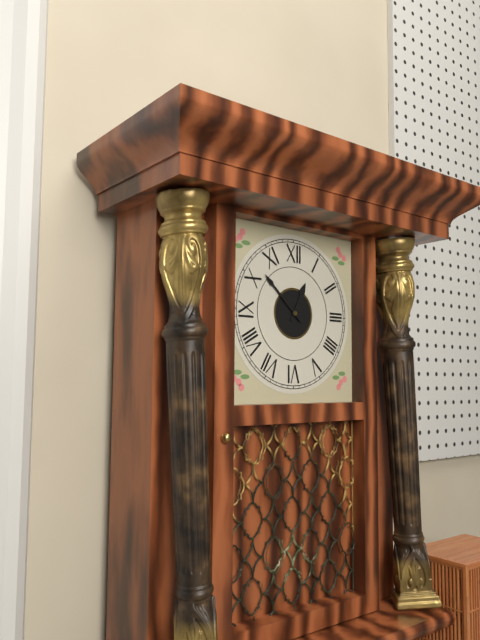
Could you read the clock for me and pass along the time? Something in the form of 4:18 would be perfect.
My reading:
12:52
